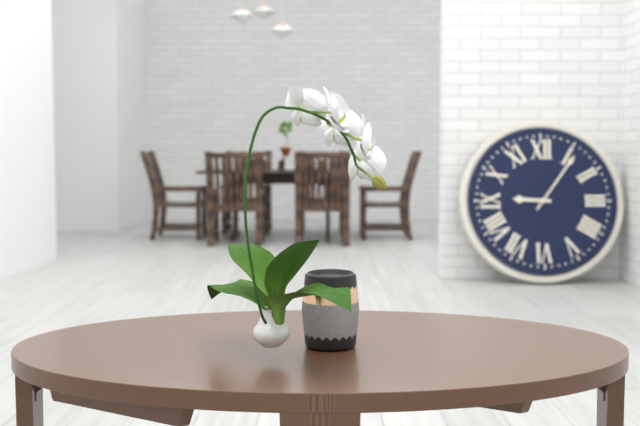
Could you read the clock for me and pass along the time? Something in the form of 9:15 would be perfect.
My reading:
9:06
